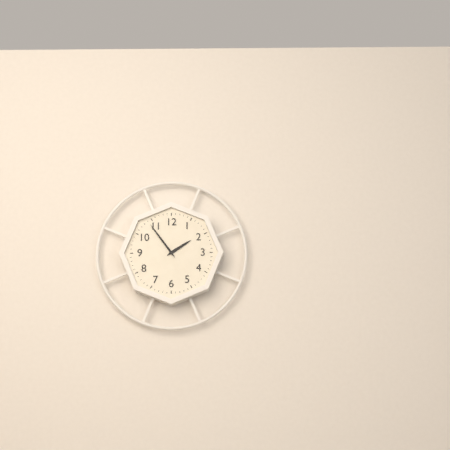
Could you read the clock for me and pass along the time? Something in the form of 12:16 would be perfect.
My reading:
1:54
